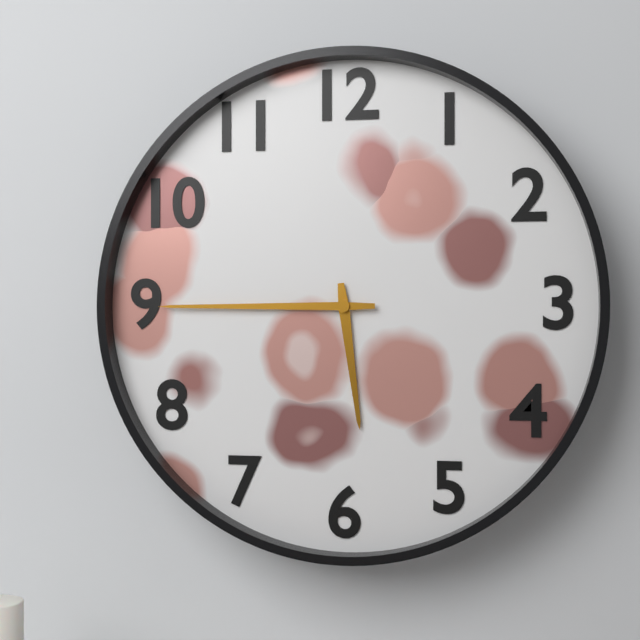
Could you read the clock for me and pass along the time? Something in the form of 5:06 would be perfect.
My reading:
5:45
